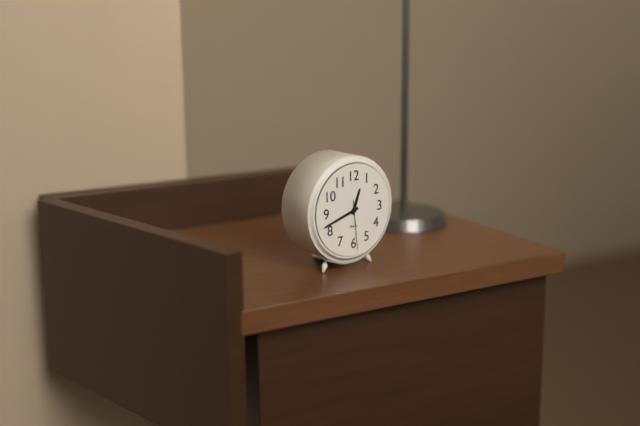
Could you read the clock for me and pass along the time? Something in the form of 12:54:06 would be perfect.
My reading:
12:42:29
